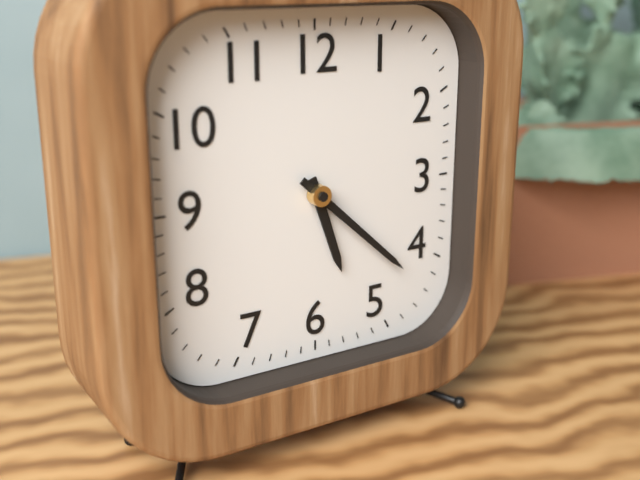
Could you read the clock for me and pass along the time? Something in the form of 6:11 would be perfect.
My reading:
5:22
